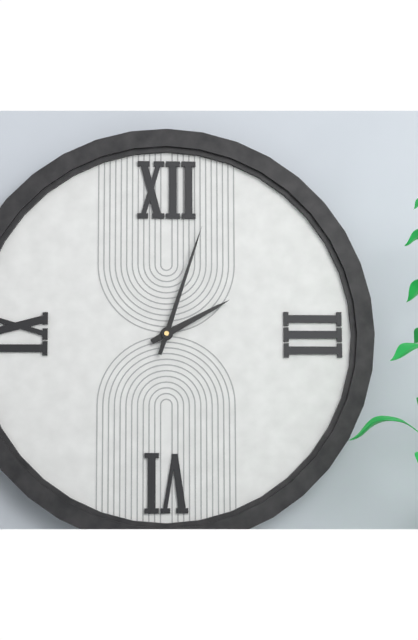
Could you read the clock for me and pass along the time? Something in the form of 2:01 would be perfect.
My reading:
2:03
